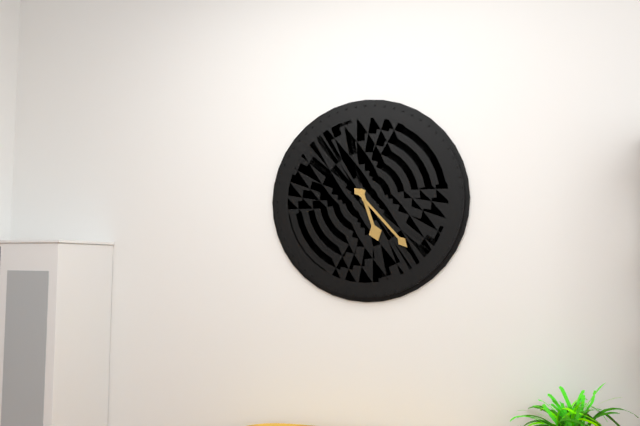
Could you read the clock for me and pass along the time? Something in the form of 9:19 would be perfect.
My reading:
5:23
